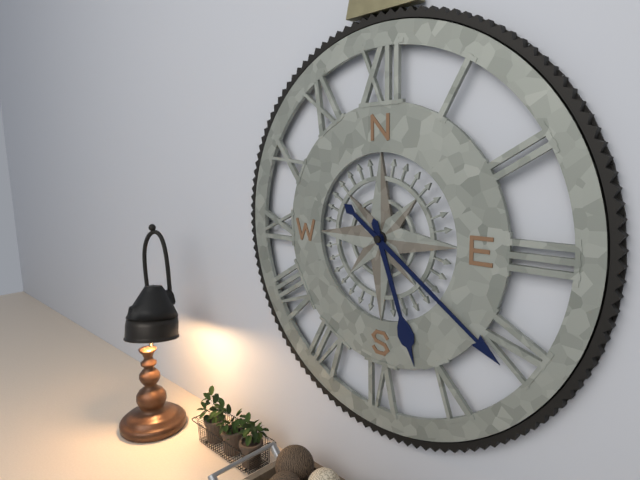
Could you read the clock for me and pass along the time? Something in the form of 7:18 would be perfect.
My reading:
5:21
